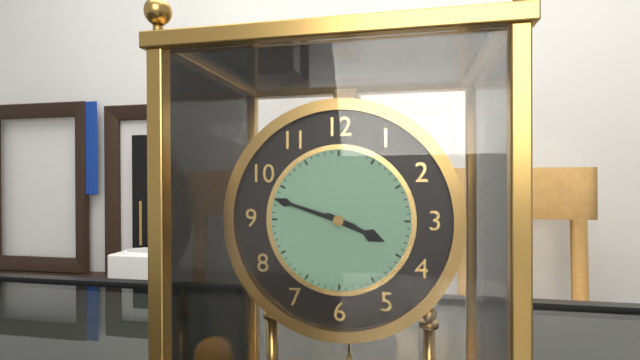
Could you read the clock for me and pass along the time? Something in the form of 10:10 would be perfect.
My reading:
3:48
